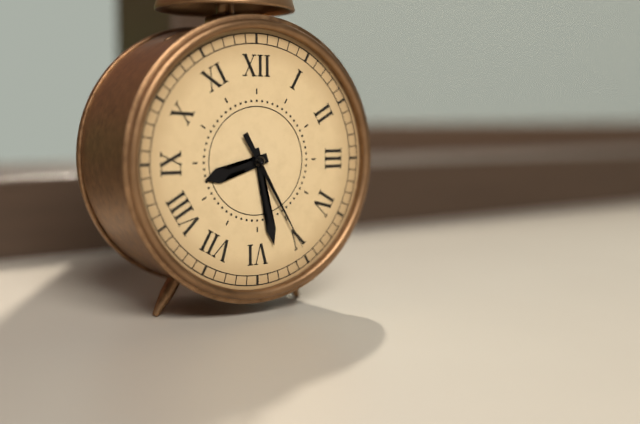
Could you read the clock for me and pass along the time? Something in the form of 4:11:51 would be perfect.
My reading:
8:28:25
